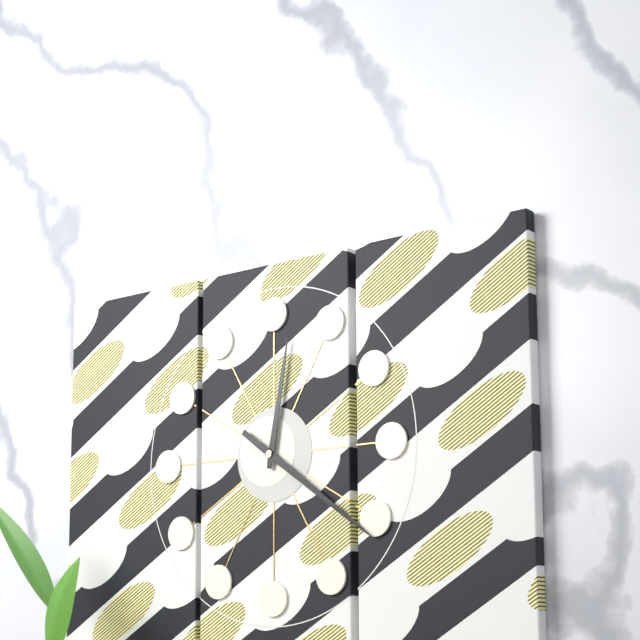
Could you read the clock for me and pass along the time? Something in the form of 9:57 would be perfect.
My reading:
12:21
